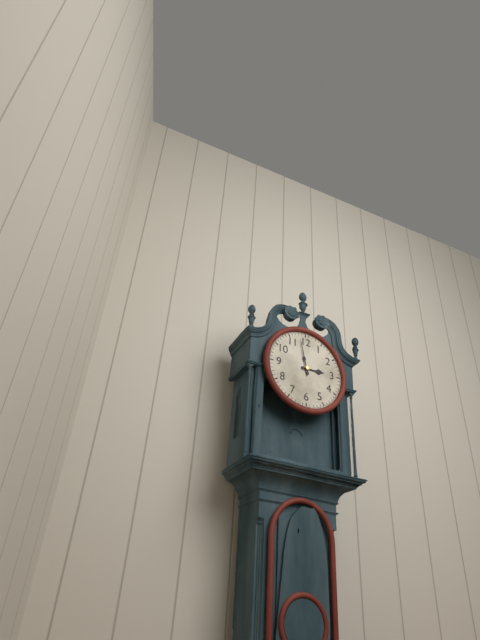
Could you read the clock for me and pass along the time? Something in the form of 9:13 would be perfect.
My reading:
2:58
